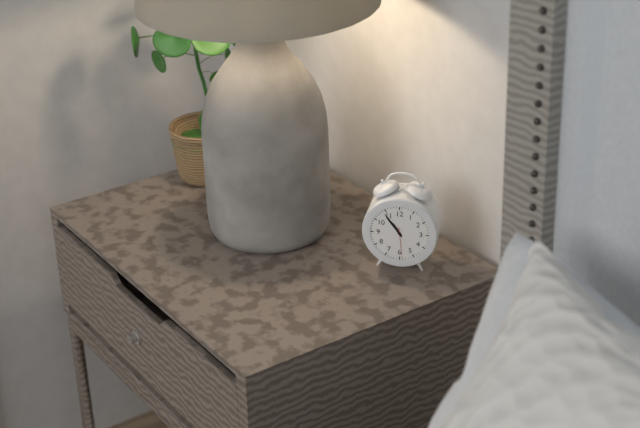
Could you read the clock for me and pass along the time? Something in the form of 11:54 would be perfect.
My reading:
10:54
